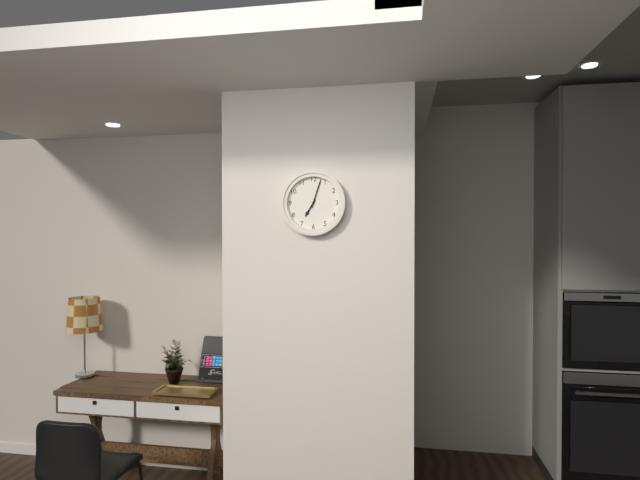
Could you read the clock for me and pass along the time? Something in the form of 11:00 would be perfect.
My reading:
7:03
